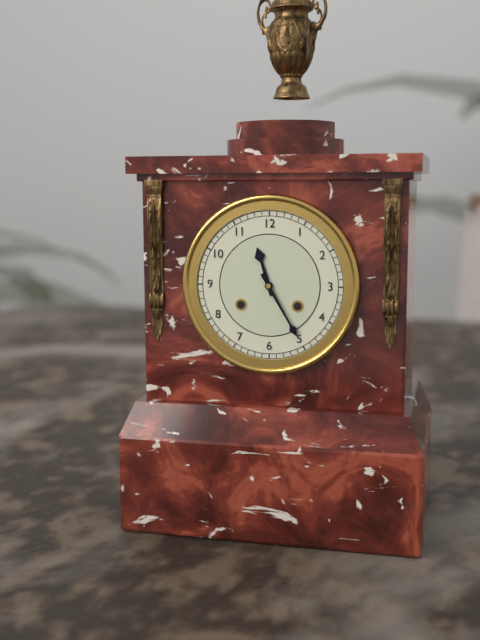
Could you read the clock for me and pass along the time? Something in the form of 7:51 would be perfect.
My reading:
11:25
